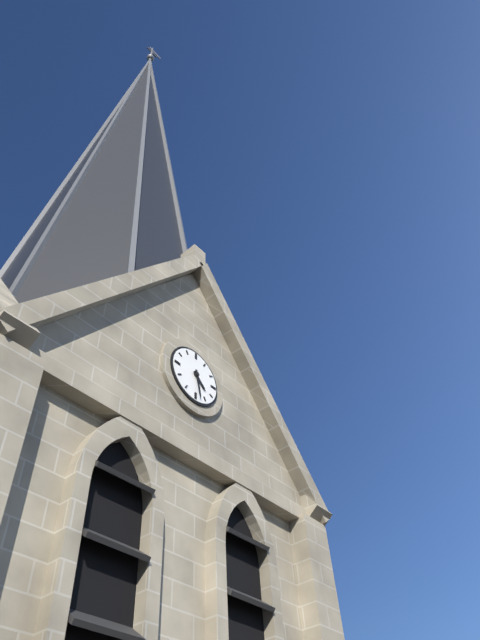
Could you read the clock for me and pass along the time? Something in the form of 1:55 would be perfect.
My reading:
4:28
